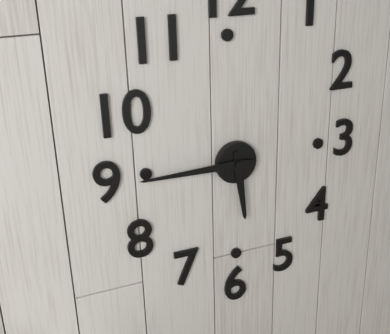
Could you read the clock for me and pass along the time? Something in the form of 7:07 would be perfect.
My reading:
5:45
